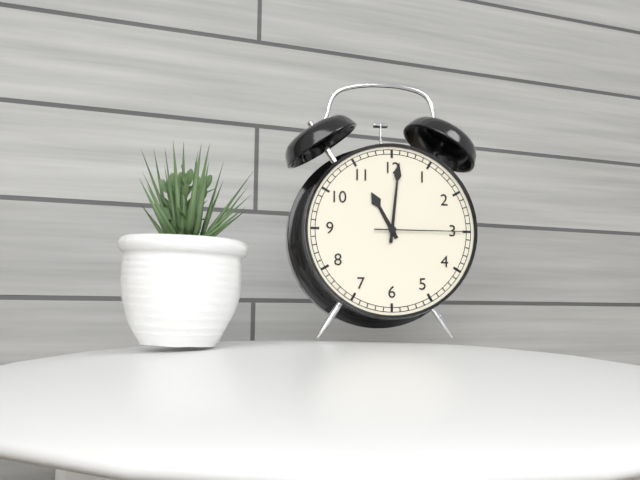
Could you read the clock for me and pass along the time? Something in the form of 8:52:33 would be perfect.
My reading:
11:01:15
